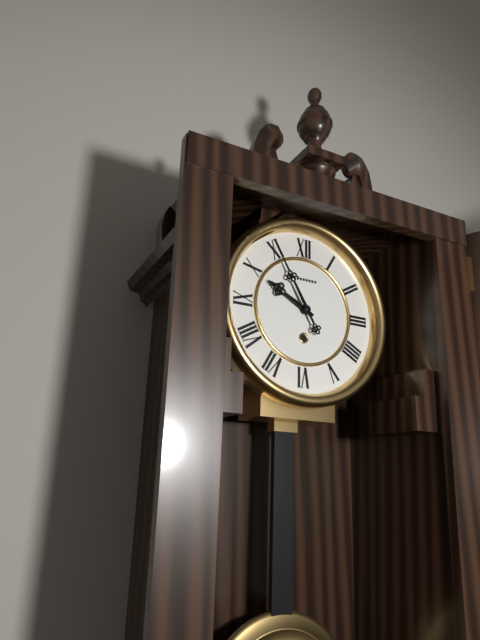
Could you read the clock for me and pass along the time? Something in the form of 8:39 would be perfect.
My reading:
9:55
